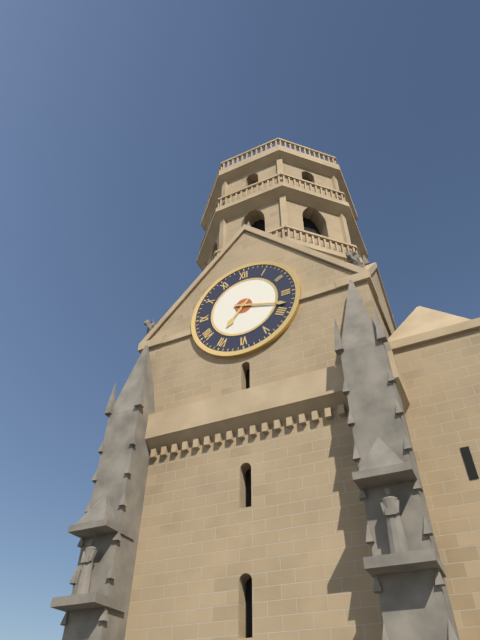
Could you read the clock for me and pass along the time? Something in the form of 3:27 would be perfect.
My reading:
7:18
